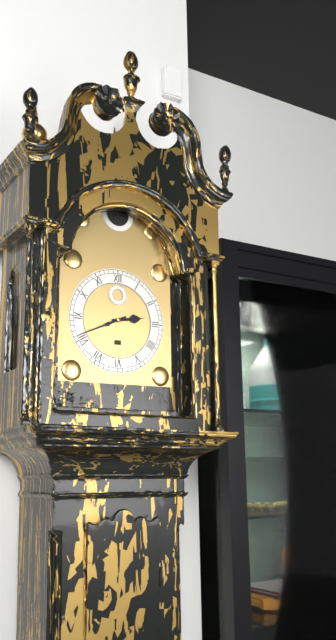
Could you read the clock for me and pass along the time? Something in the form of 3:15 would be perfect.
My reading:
2:41
